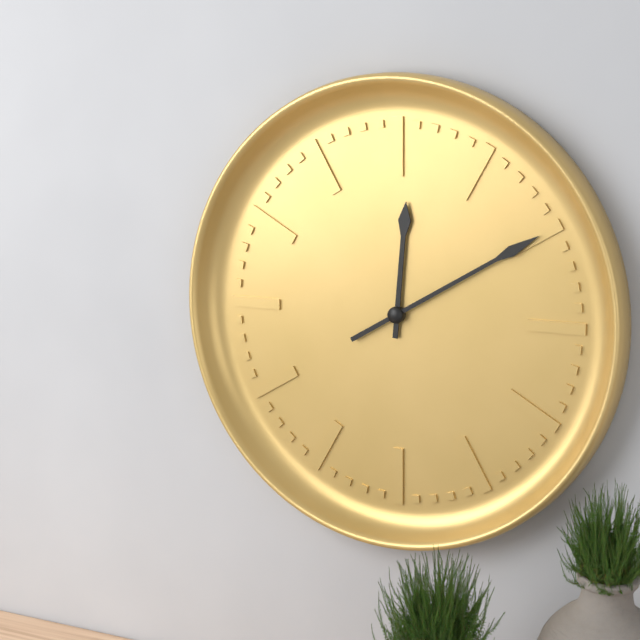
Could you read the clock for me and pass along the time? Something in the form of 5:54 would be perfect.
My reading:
12:10
